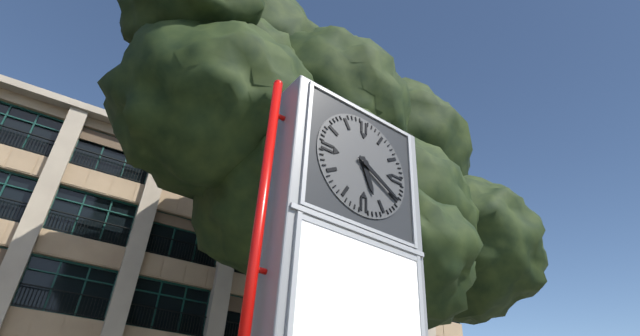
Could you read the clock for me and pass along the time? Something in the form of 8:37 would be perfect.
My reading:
5:20
